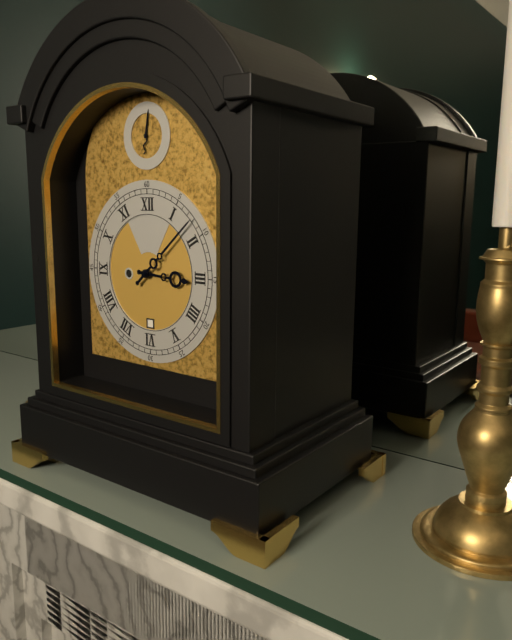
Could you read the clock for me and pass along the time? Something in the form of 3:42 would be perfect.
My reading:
3:08
